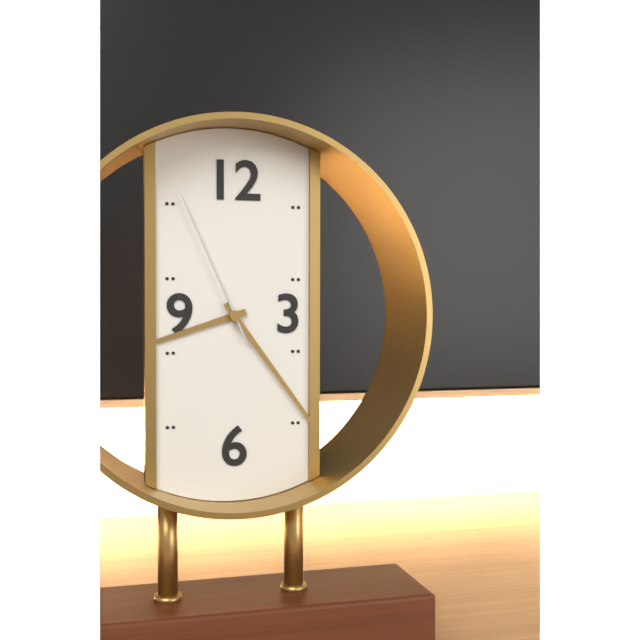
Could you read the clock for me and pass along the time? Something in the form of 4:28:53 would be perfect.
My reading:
8:24:56
